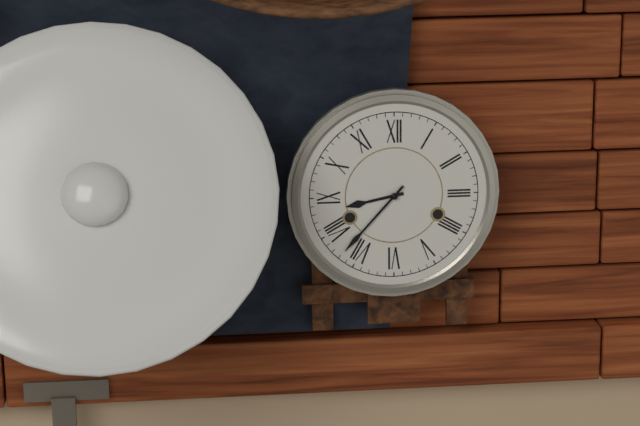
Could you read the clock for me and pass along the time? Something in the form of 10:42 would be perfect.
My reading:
8:37
